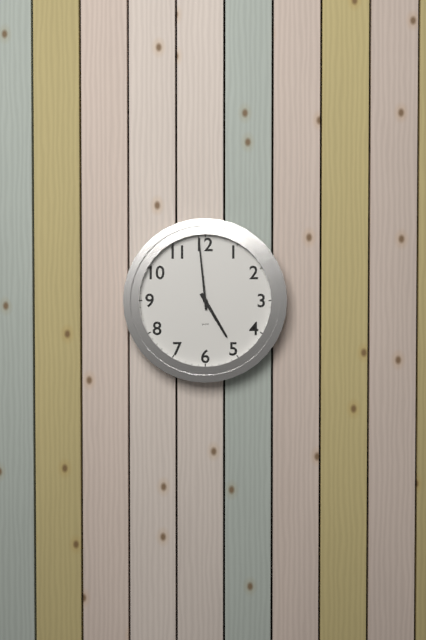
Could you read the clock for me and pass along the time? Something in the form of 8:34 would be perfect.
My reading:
4:59
